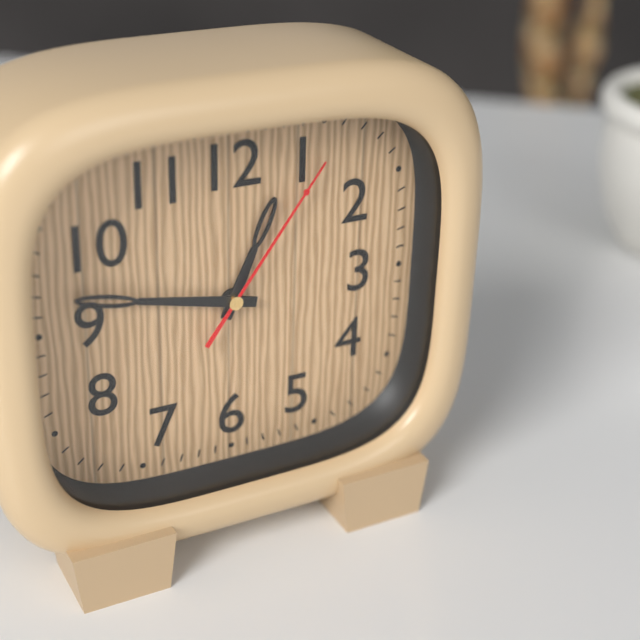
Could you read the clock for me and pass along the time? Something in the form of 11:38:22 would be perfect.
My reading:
12:47:06
